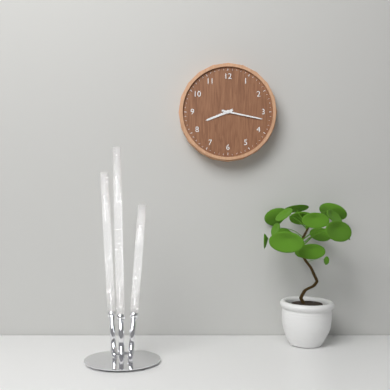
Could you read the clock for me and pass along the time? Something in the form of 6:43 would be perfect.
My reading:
8:17
